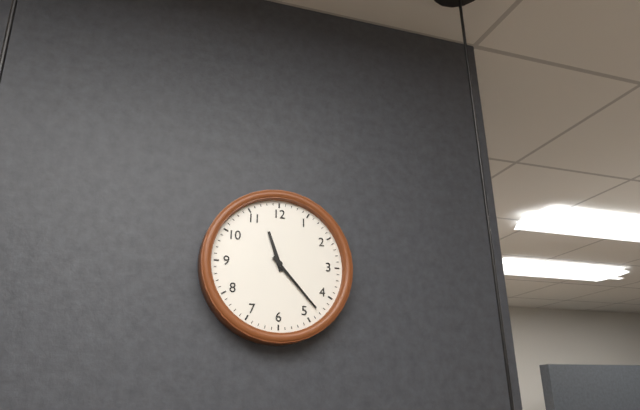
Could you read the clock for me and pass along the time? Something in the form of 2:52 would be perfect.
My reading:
11:23
